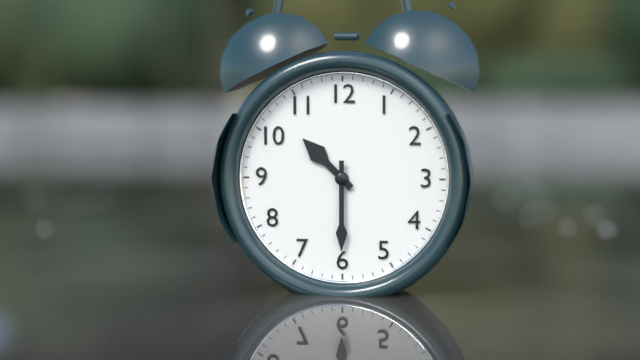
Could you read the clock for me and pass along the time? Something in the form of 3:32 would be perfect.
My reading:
10:30
